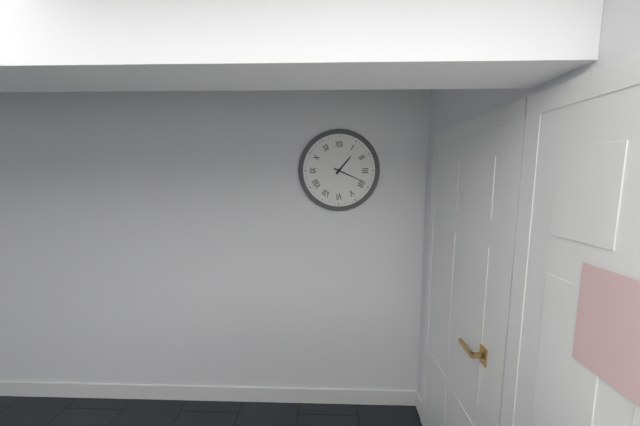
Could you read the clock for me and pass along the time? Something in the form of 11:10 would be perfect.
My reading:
1:19
